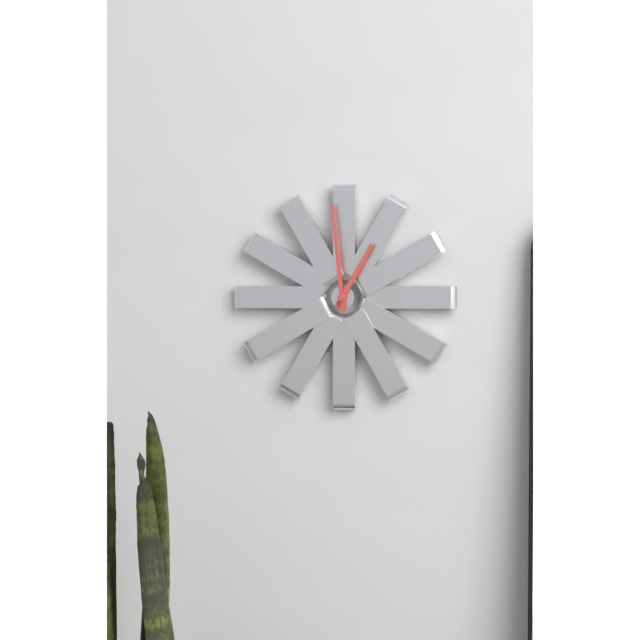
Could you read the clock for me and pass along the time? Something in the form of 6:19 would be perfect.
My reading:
12:59
